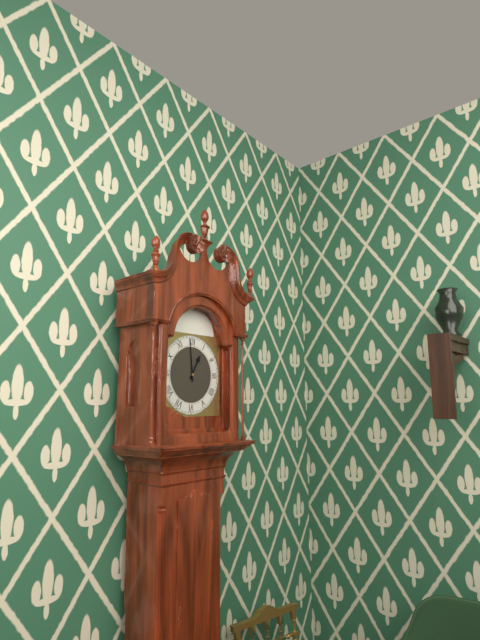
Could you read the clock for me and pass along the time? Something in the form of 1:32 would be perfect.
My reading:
12:59
